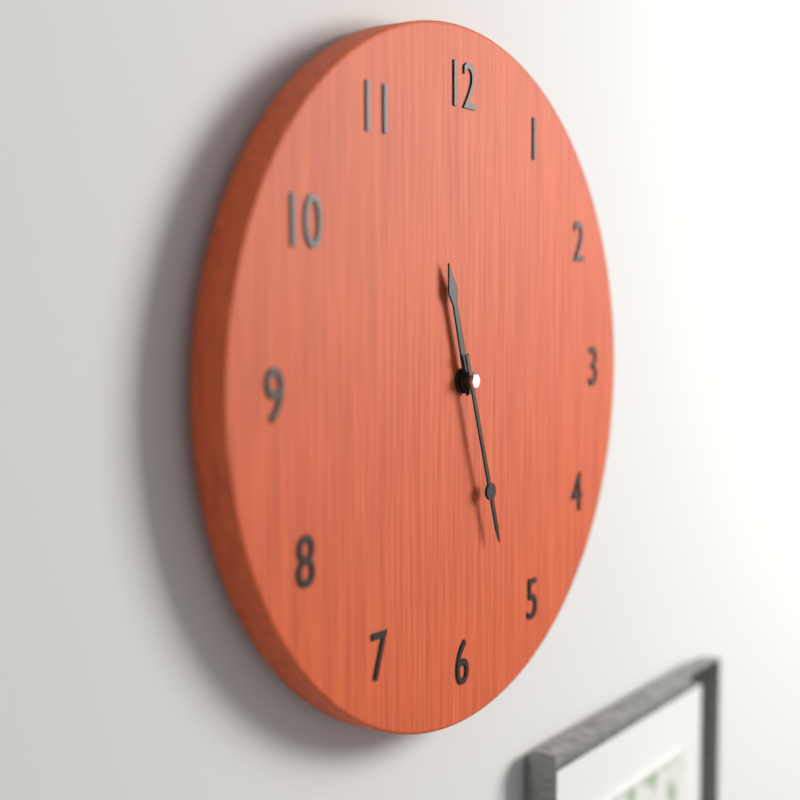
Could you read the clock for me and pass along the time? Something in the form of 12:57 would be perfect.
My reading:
11:27
